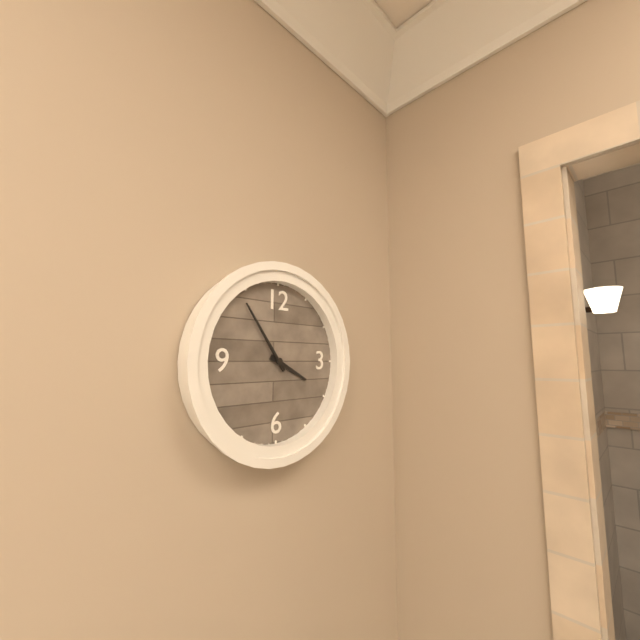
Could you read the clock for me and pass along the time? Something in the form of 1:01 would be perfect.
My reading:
3:54
